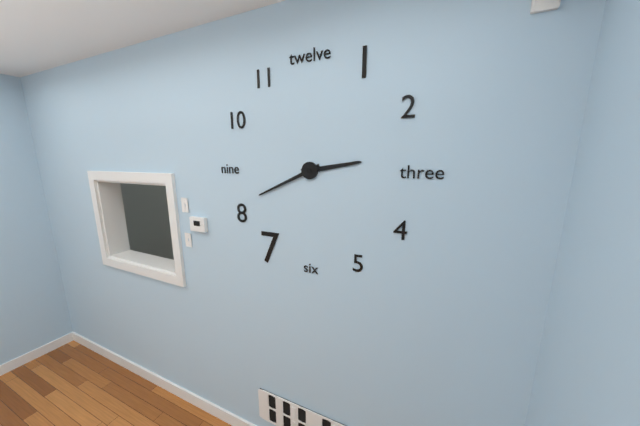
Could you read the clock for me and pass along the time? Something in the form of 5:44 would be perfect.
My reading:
2:41
